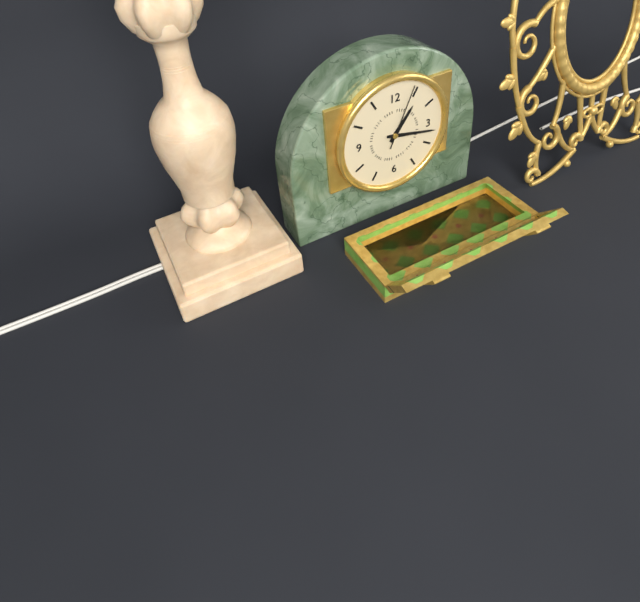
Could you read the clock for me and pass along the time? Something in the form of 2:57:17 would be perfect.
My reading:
1:17:04
